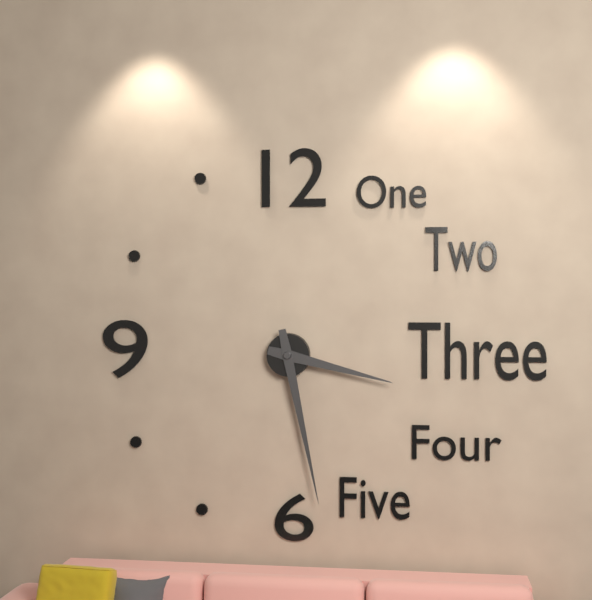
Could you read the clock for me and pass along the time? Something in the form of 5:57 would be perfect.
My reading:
3:28
